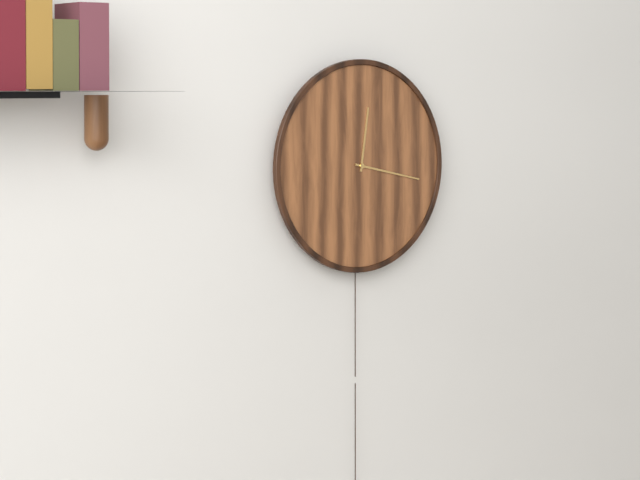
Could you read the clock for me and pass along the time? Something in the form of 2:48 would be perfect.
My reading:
12:17
